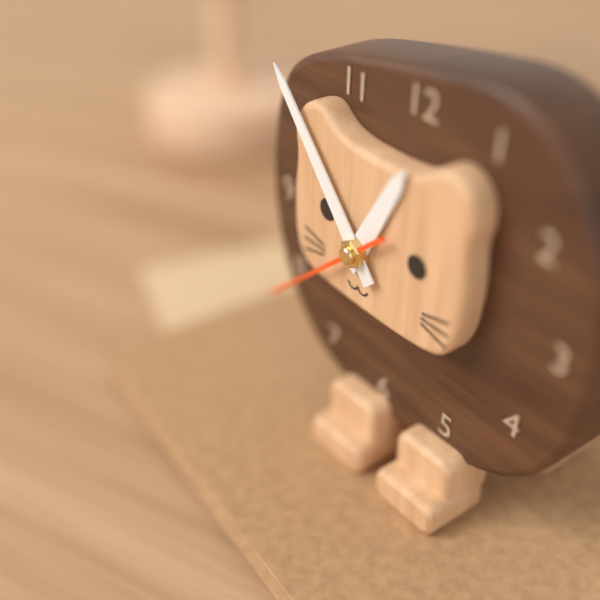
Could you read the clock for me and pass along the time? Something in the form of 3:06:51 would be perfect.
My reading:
12:53:38
